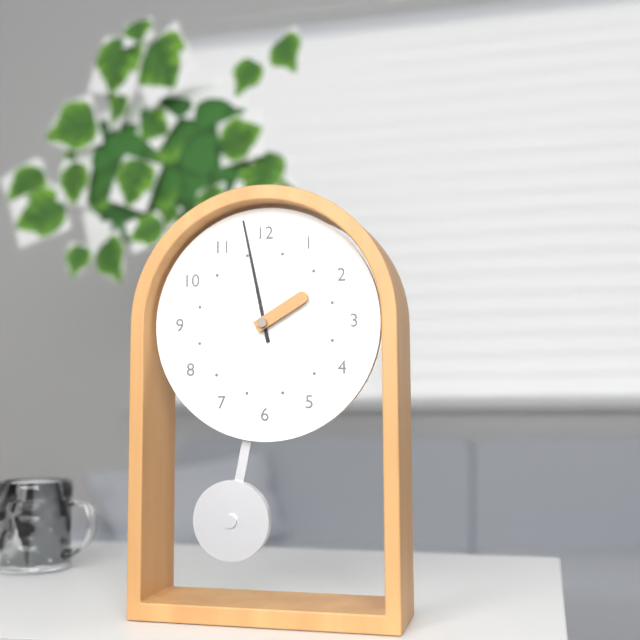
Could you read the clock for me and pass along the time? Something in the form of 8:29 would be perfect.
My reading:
1:58
